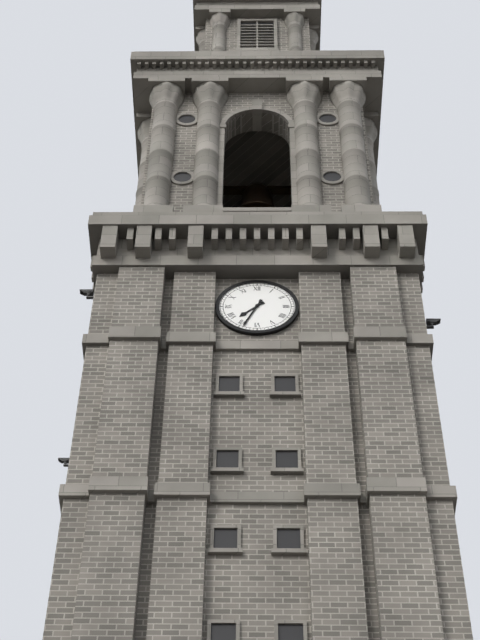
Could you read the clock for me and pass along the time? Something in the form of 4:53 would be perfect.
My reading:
7:34
